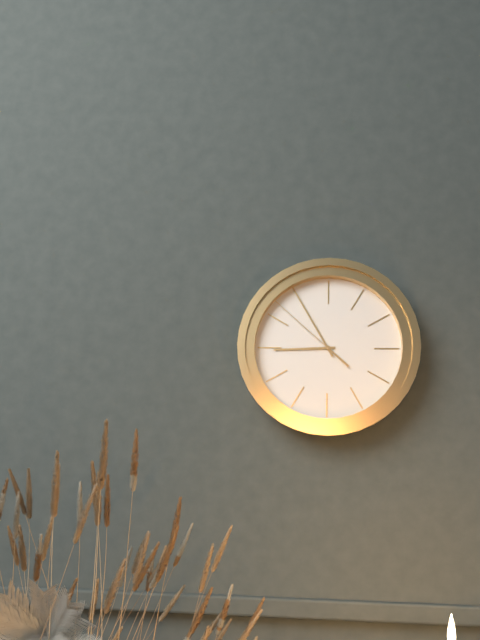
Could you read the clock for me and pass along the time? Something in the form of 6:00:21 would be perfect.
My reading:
8:55:52
